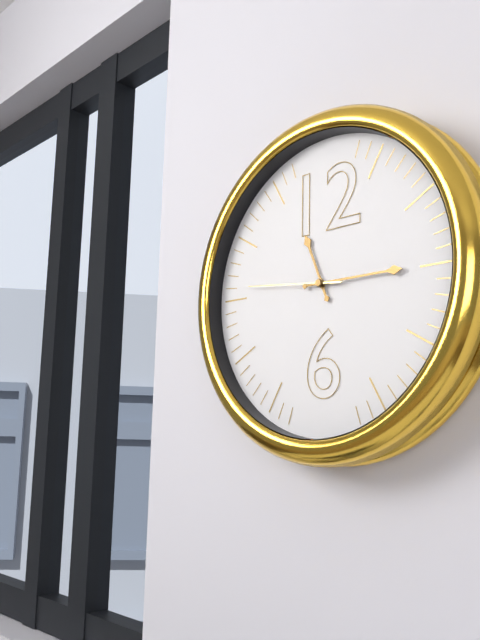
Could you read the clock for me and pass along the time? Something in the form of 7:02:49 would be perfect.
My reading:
11:15:46
